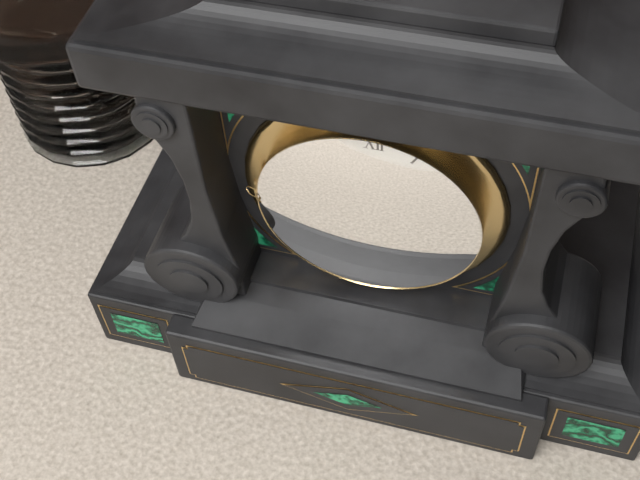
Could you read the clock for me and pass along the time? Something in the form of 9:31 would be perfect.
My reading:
11:38
